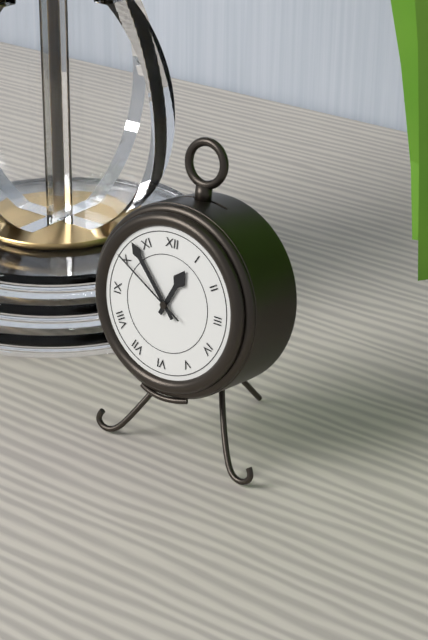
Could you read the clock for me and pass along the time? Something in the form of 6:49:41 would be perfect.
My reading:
12:53:50
